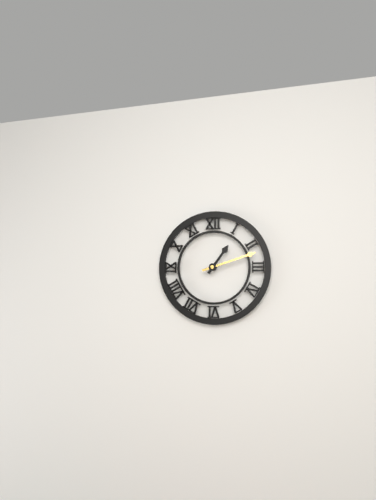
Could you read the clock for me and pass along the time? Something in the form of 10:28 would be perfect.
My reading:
1:12
